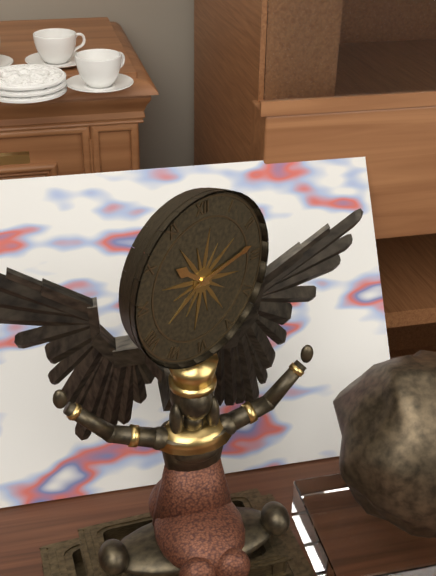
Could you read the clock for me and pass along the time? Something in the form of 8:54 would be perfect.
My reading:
10:13
